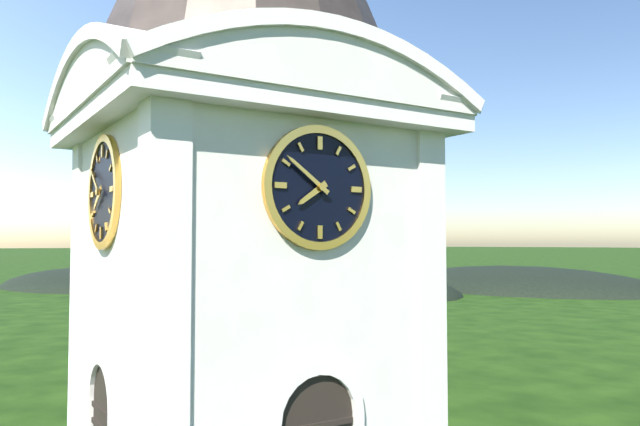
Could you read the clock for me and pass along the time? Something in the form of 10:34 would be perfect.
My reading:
7:51
